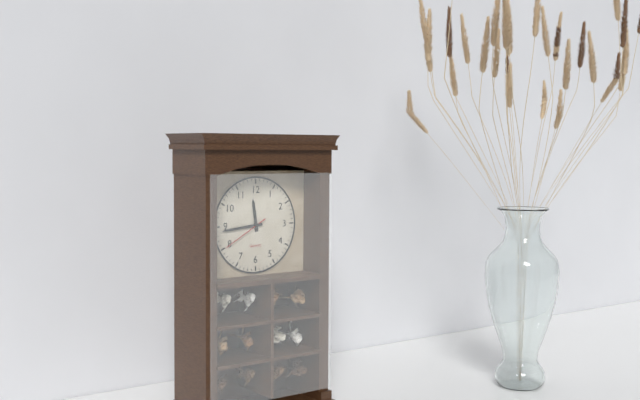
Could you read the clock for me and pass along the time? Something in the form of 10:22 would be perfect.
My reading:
11:44
